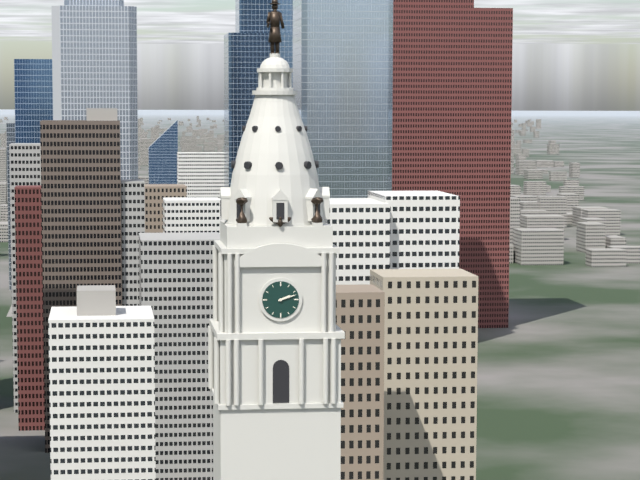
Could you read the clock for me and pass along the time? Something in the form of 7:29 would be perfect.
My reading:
2:12
